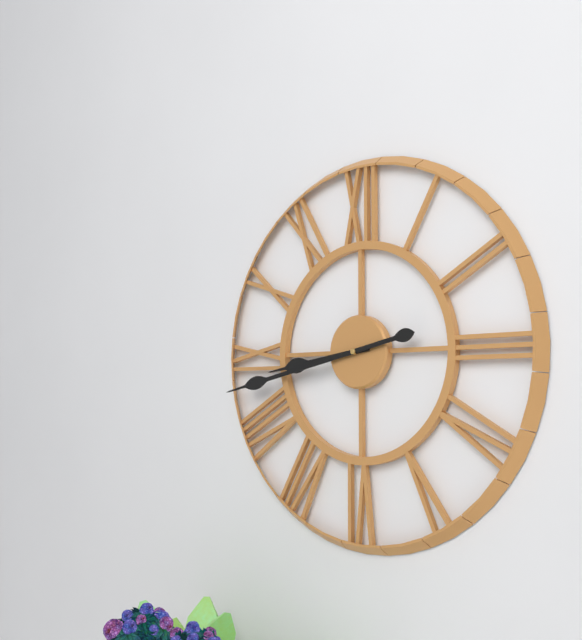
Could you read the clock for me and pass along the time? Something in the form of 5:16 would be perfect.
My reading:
8:43
